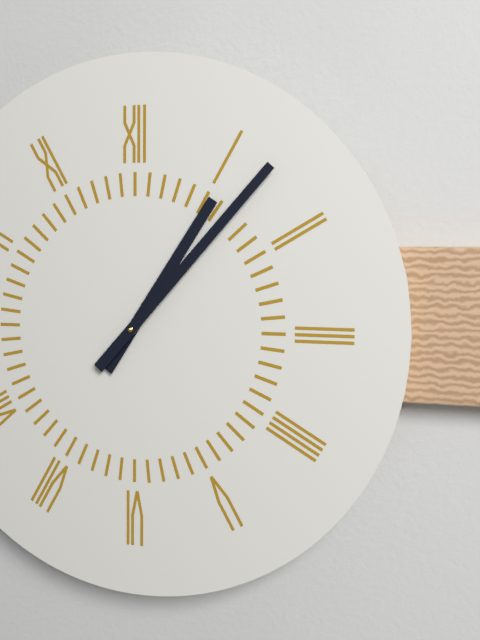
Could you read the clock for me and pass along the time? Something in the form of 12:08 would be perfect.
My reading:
1:07
